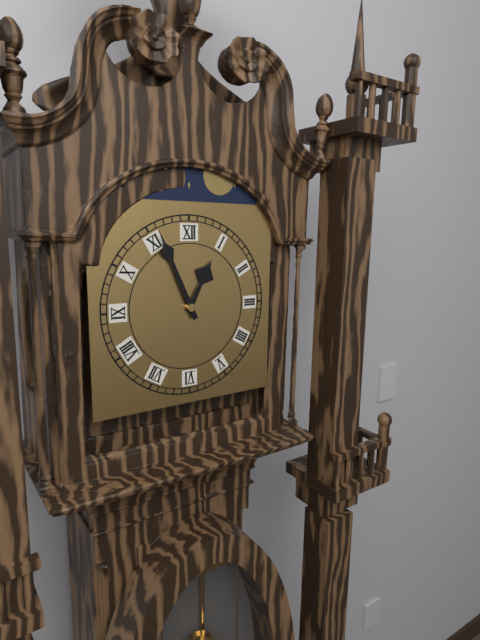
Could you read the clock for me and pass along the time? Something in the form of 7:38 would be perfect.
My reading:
12:56
